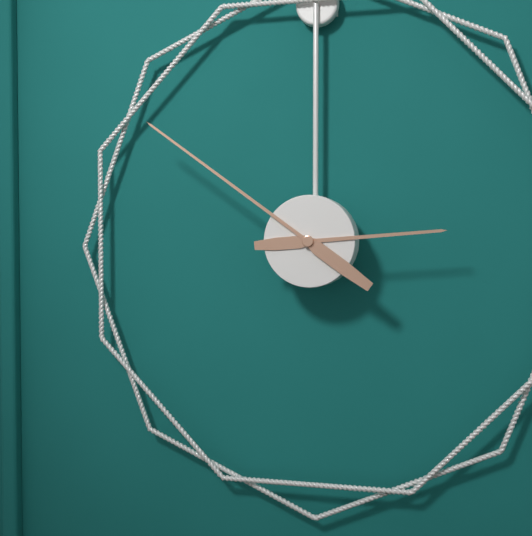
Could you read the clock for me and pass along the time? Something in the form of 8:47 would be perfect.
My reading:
2:51
